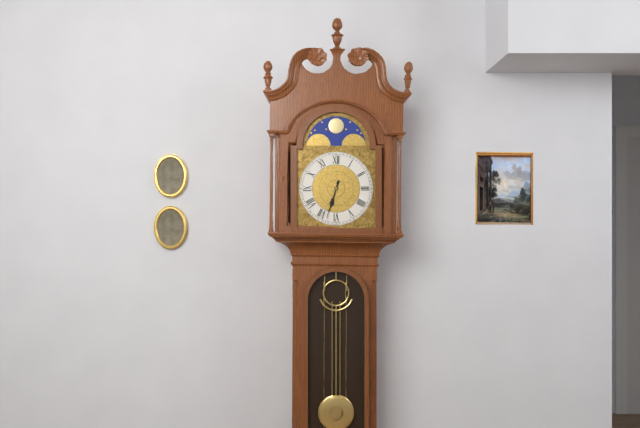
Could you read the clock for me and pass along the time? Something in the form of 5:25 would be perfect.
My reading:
6:33
